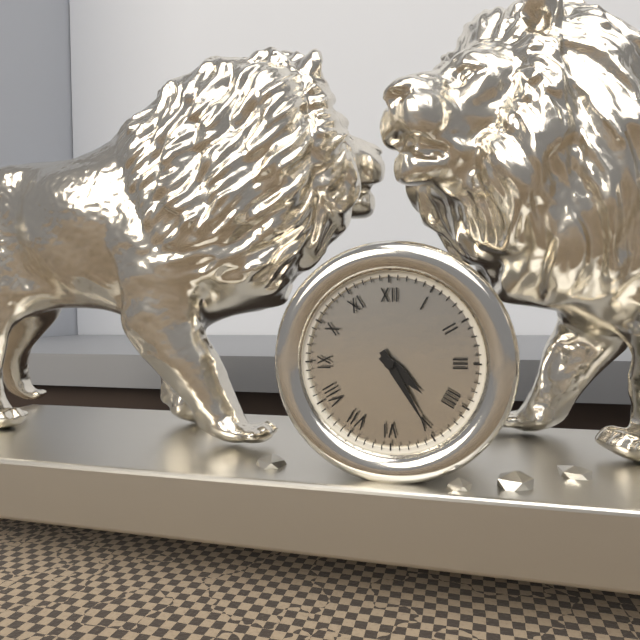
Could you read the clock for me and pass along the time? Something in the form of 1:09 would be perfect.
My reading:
4:25
